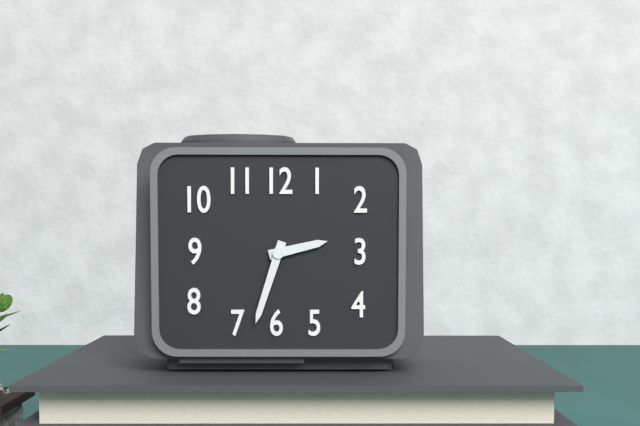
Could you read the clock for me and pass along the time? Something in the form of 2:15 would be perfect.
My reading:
2:33
